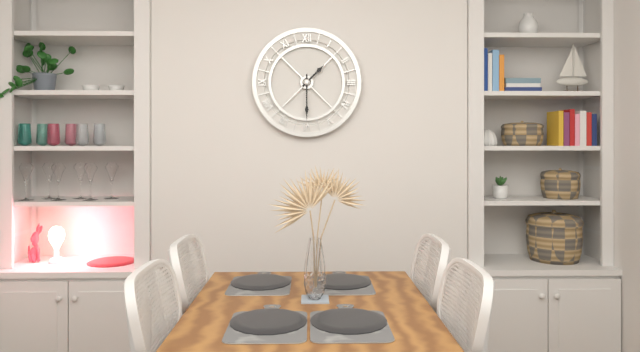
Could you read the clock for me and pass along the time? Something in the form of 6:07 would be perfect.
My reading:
1:30
